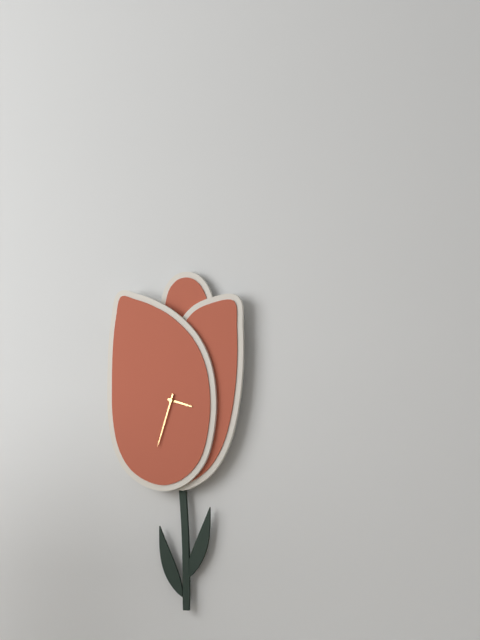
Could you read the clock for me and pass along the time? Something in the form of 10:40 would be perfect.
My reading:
3:33
